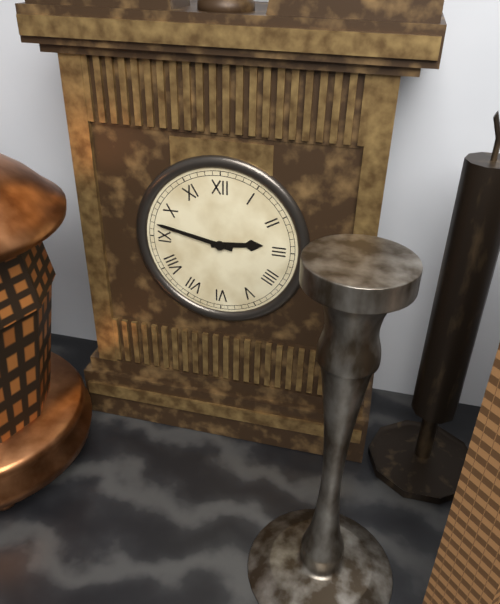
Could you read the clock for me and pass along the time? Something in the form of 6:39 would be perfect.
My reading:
2:47
